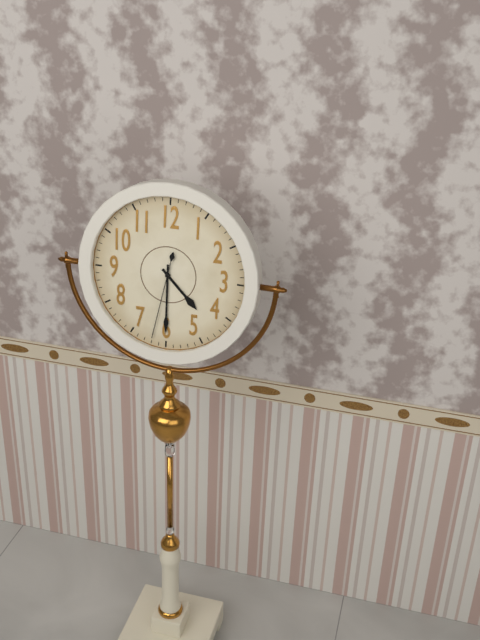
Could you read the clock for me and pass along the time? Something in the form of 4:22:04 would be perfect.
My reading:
4:30:32
